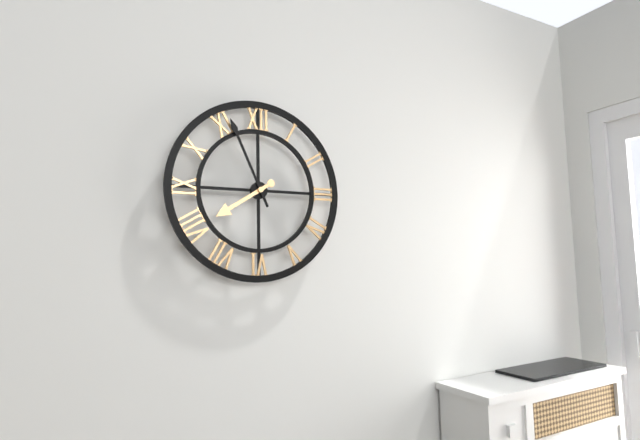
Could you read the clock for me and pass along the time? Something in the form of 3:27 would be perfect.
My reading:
7:56
